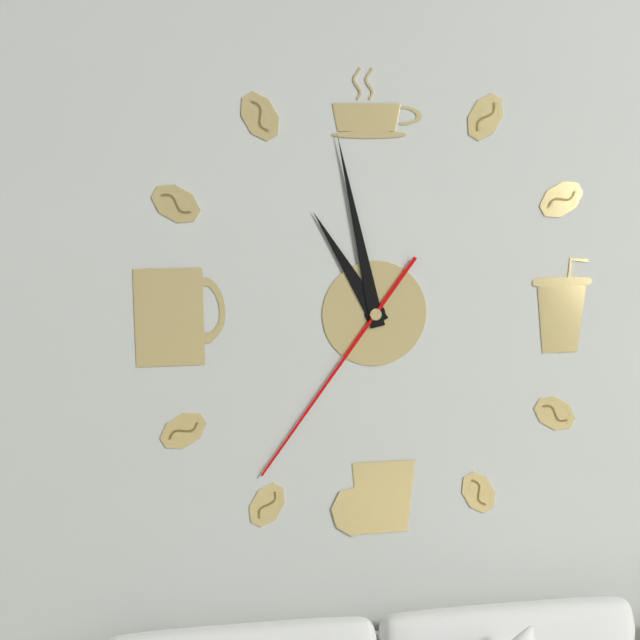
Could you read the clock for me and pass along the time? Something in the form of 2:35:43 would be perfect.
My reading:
10:58:36
